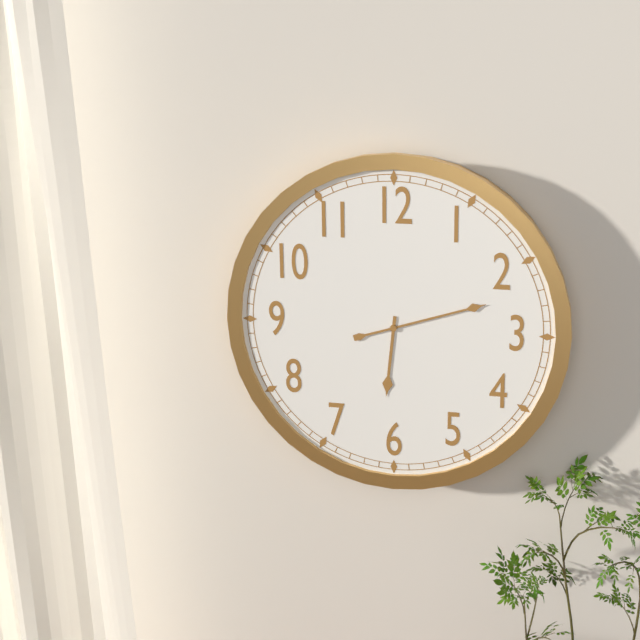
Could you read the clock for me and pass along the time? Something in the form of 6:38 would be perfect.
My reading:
6:12
